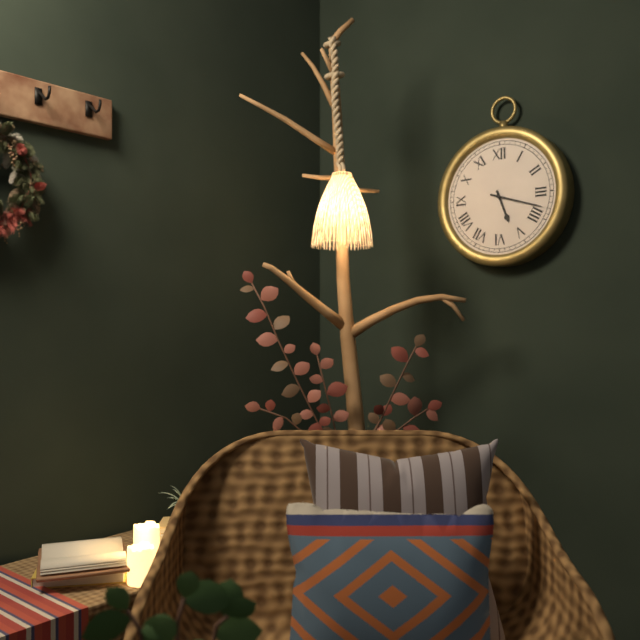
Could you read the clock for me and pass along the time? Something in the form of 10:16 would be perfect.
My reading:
5:18
